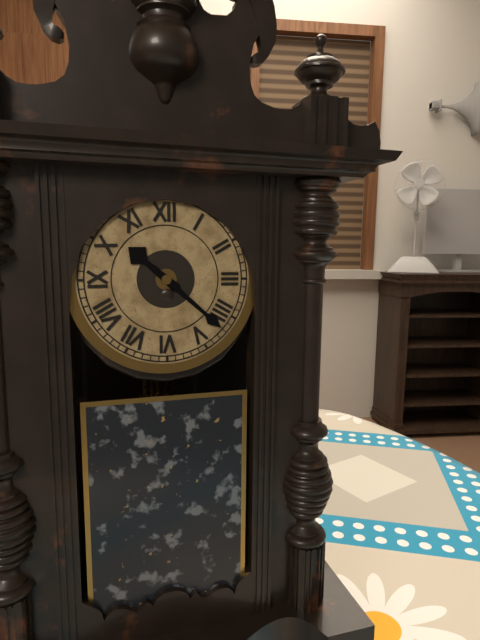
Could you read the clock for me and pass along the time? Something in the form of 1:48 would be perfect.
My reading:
10:22
